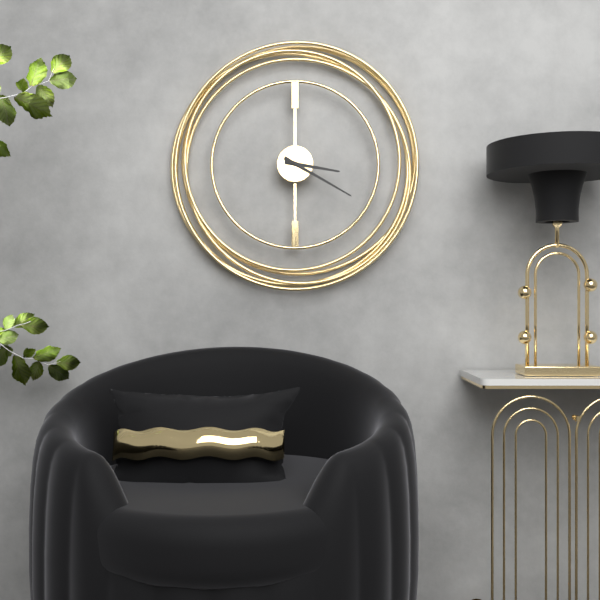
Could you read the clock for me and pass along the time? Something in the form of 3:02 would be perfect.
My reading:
3:20
